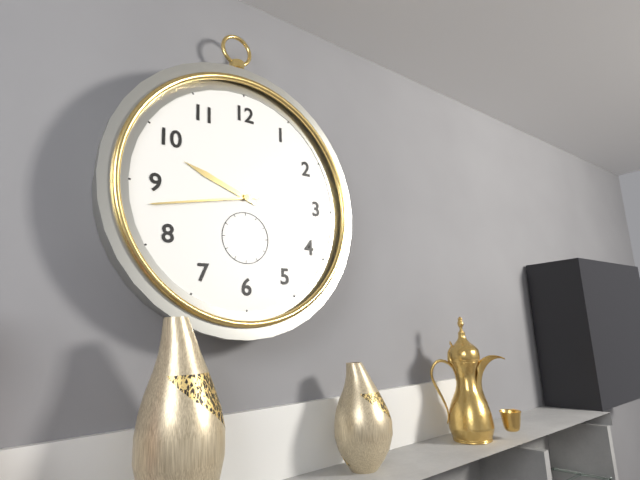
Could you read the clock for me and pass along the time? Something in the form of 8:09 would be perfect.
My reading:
9:43
